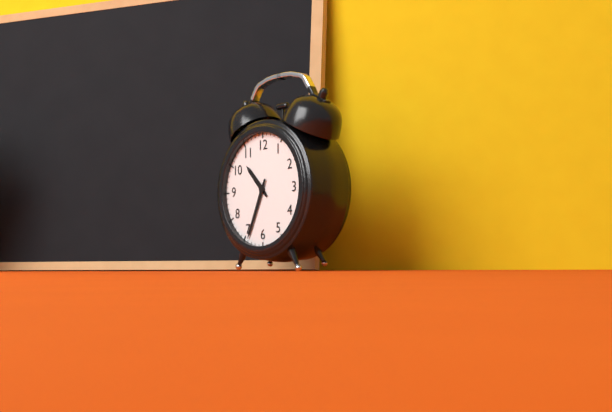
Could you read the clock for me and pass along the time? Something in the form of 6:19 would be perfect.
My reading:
10:34
